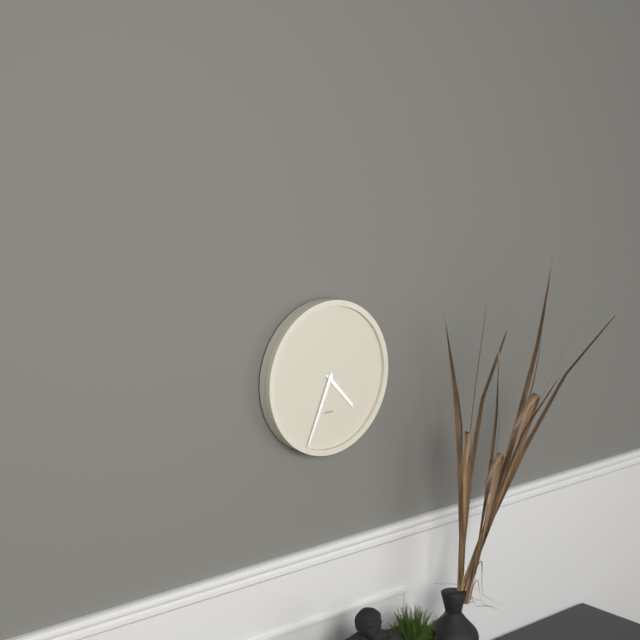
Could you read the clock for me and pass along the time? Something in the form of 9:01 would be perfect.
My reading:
4:34
